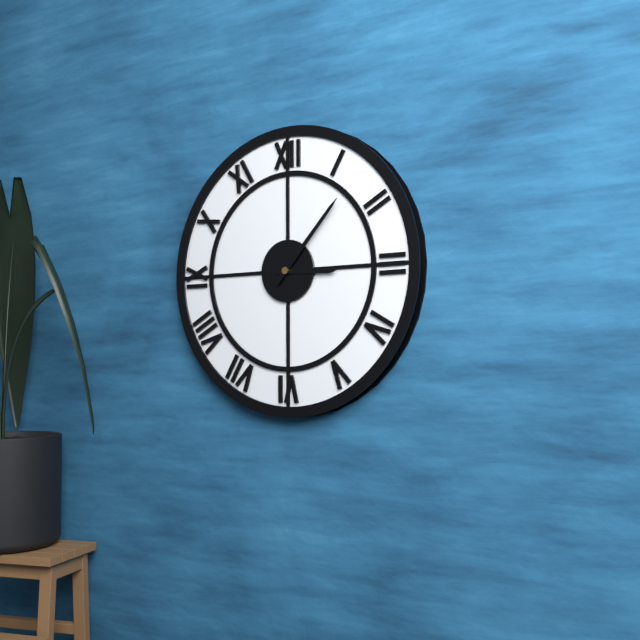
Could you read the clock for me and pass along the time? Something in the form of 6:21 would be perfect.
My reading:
3:07
